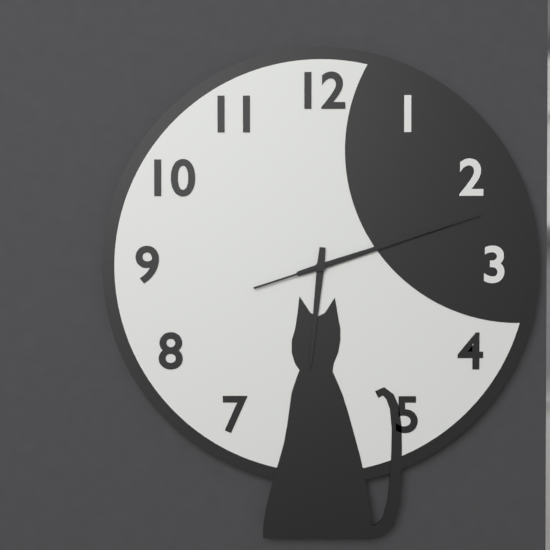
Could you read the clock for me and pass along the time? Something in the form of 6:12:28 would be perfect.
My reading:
6:12:12
